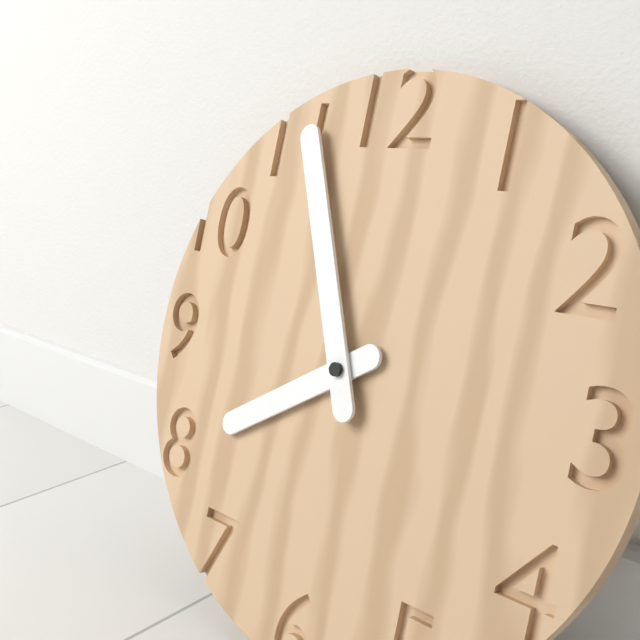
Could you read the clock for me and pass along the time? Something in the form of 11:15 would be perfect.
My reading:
7:56
